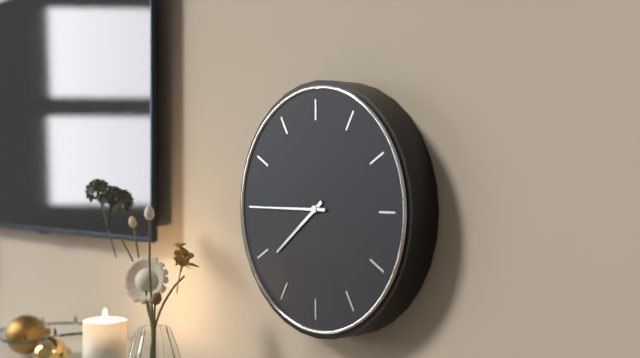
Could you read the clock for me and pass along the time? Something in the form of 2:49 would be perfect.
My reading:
7:45
